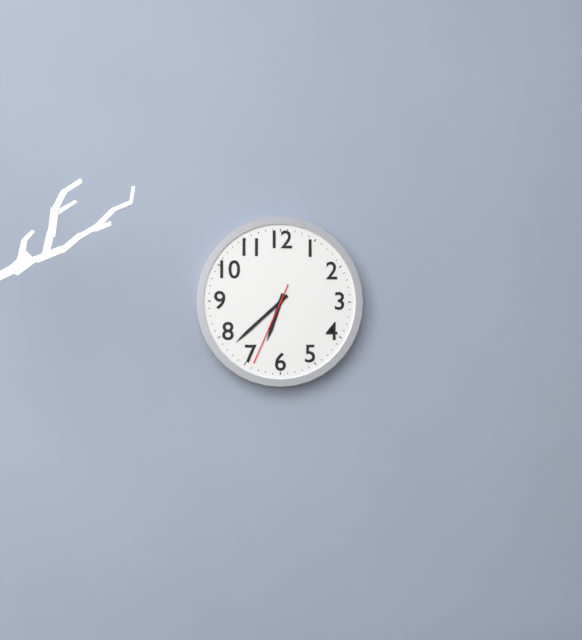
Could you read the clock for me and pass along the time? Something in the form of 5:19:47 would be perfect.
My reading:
6:38:34
